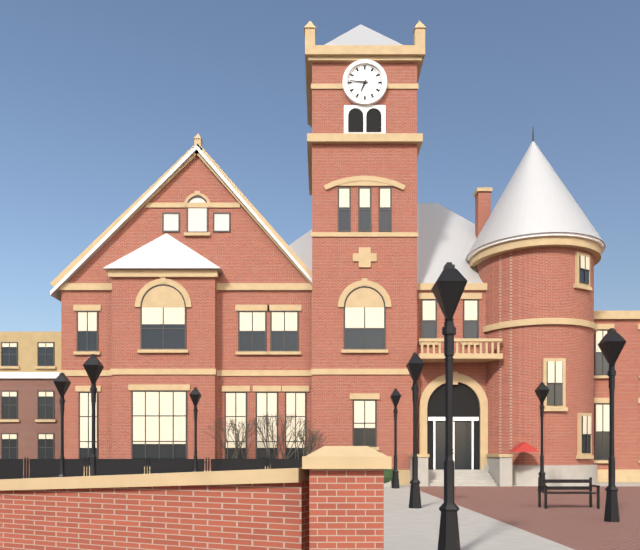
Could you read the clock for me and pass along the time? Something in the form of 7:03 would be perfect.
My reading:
6:46
